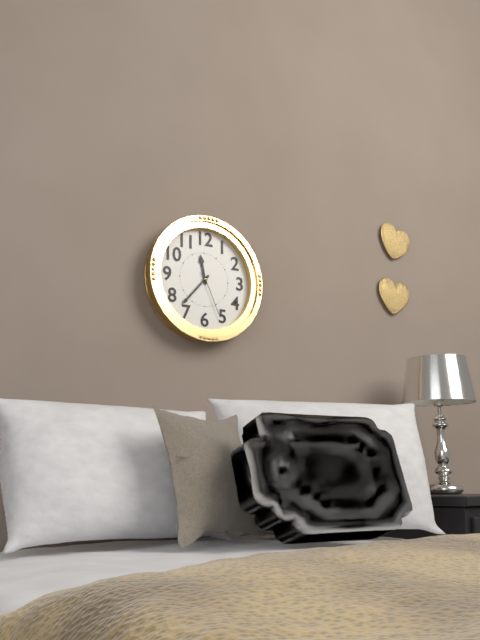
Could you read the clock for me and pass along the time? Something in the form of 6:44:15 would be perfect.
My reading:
11:37:26
